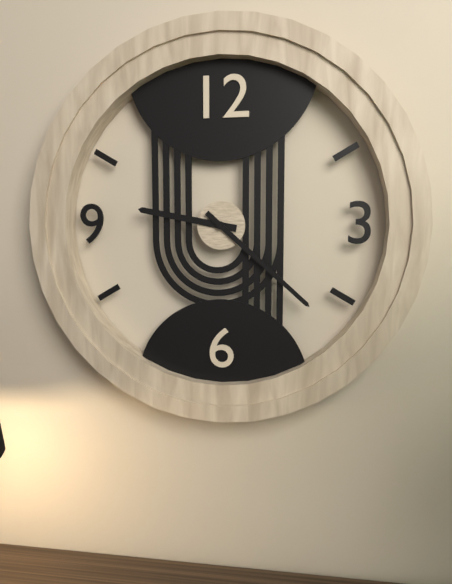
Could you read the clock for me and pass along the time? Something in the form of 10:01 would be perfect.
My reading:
9:22
